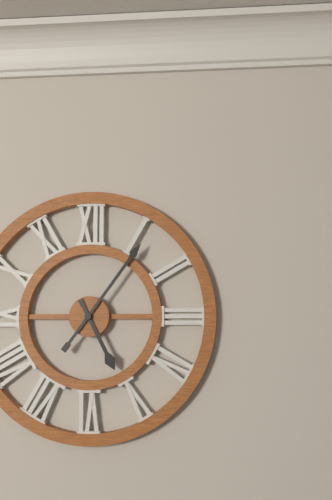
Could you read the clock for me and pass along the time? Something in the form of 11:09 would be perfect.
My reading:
5:06
